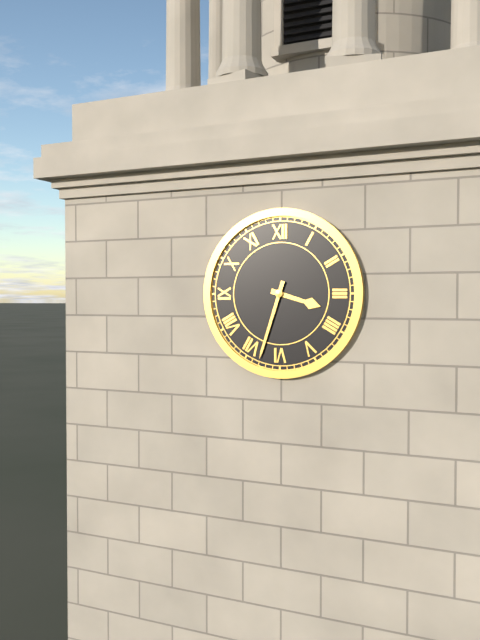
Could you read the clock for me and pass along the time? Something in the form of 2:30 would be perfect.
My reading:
3:33
